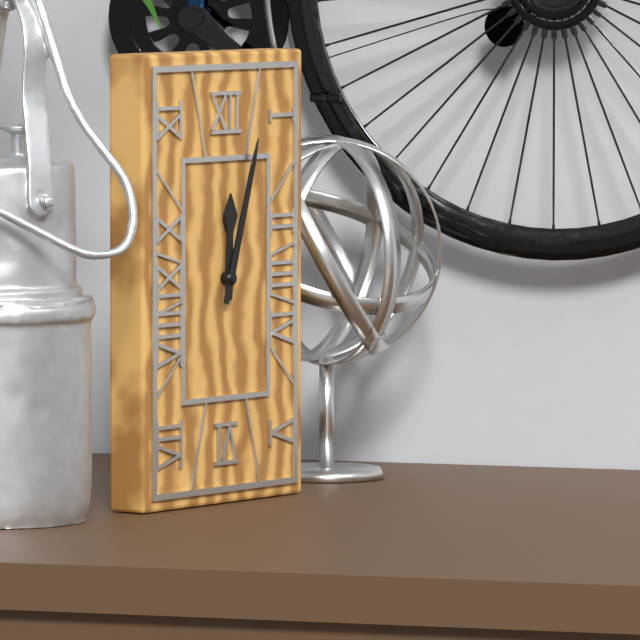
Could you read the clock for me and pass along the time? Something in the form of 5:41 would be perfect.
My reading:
12:03
